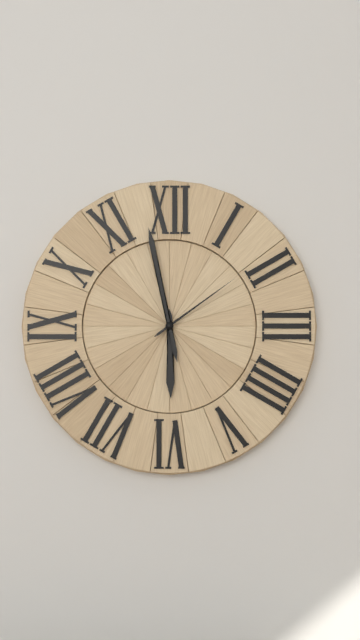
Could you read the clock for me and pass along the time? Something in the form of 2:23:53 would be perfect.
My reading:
5:58:09
